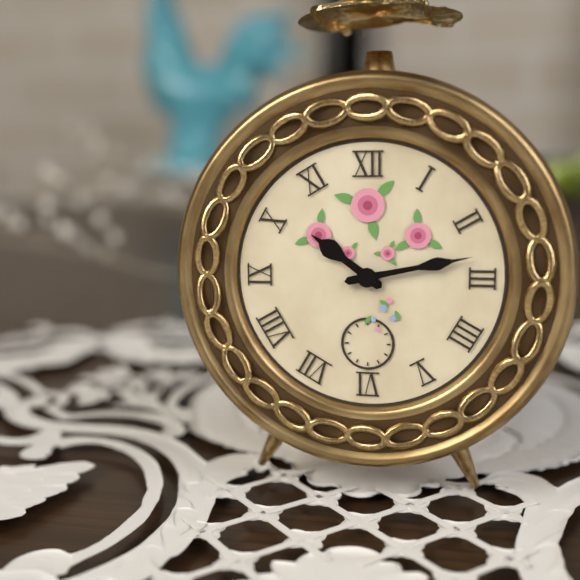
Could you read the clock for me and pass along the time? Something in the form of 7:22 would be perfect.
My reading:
10:13
